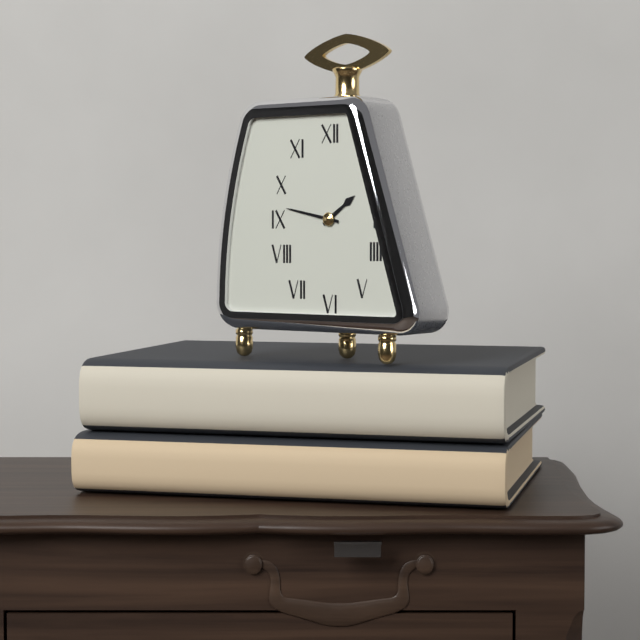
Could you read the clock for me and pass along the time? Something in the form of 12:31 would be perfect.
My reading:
1:47
